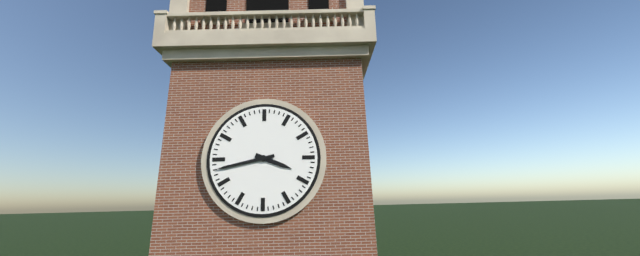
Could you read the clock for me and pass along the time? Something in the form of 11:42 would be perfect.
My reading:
3:43
